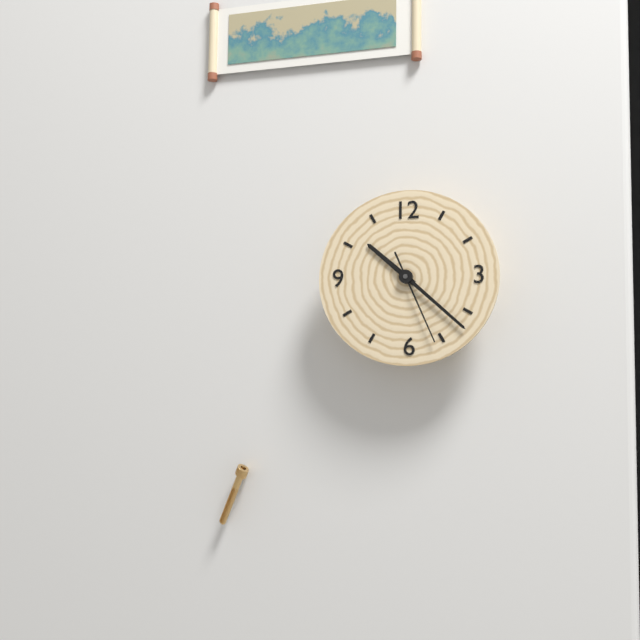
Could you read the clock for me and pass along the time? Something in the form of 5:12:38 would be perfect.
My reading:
10:22:26
